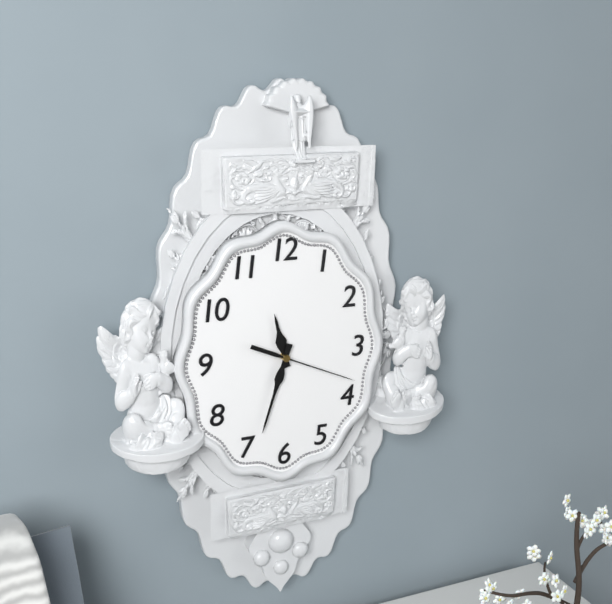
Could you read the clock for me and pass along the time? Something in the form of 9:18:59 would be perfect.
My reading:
11:33:19
